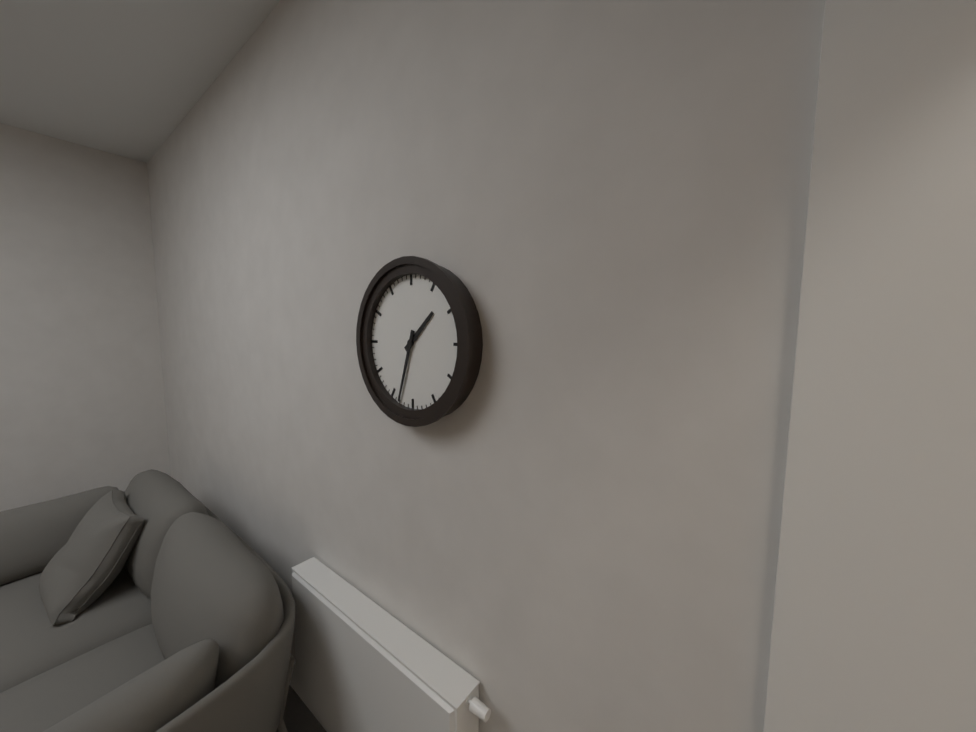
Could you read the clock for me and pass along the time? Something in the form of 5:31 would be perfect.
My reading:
1:33
